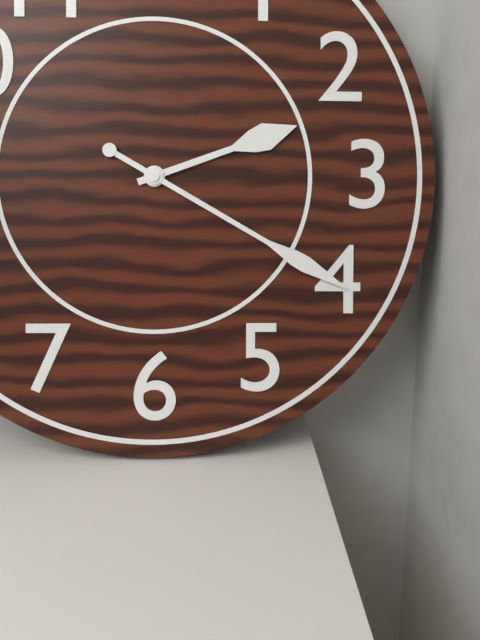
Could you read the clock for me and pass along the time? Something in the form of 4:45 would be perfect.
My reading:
2:20
